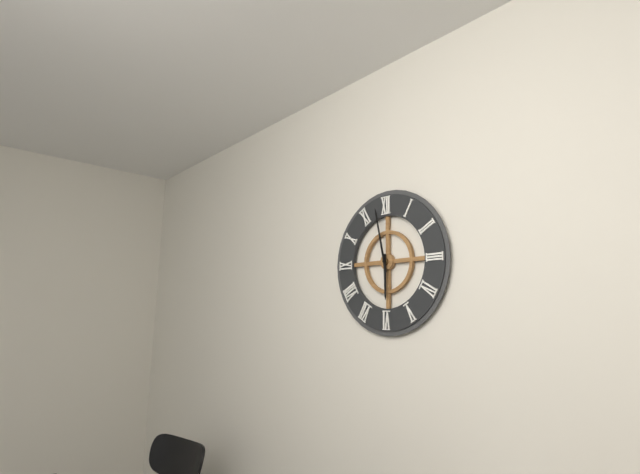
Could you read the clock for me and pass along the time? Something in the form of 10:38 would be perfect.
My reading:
5:58
